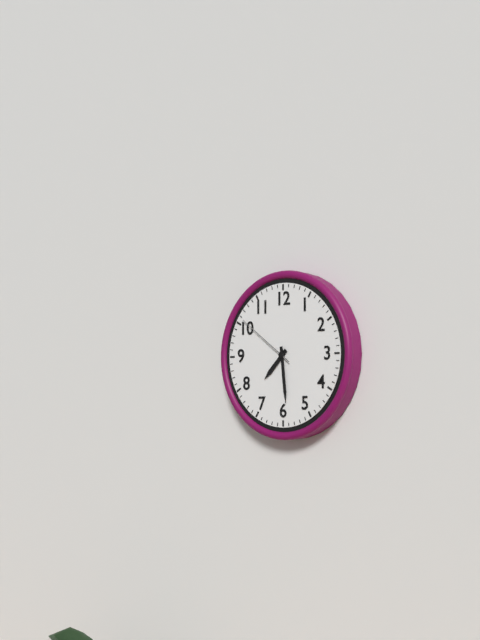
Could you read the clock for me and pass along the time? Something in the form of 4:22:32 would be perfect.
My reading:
7:29:51
